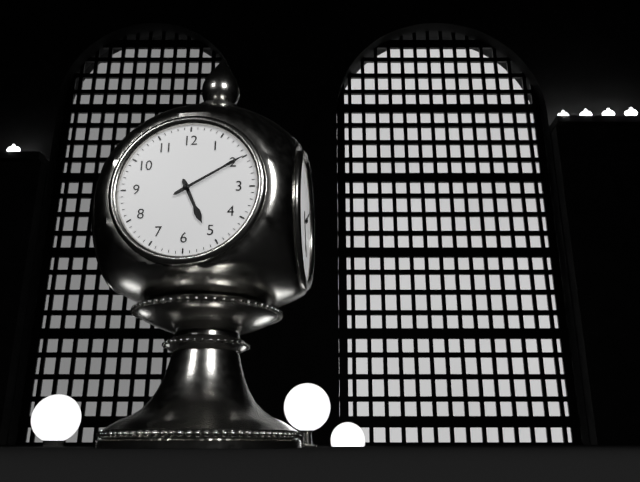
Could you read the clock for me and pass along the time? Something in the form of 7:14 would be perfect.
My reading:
5:10
